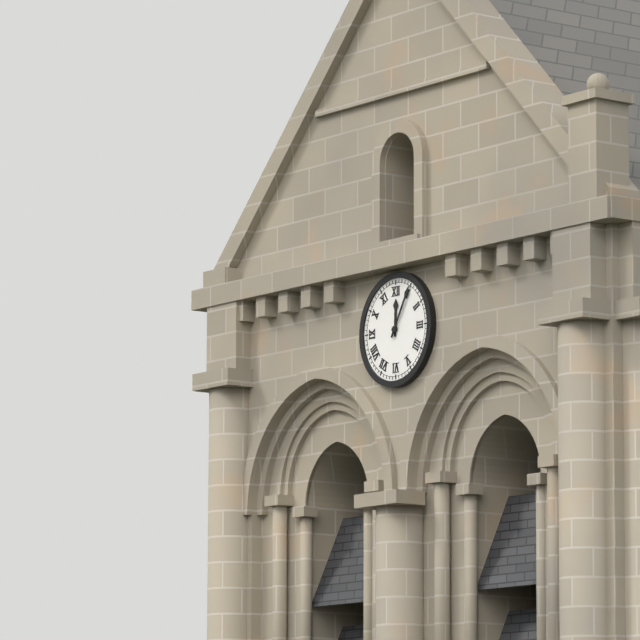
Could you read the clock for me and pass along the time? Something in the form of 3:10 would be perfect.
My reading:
12:05
